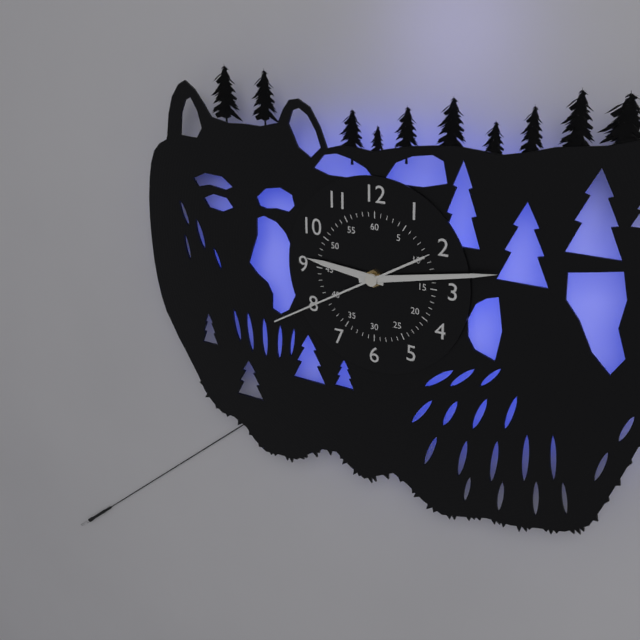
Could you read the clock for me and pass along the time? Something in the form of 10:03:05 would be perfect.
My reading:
9:13:40
